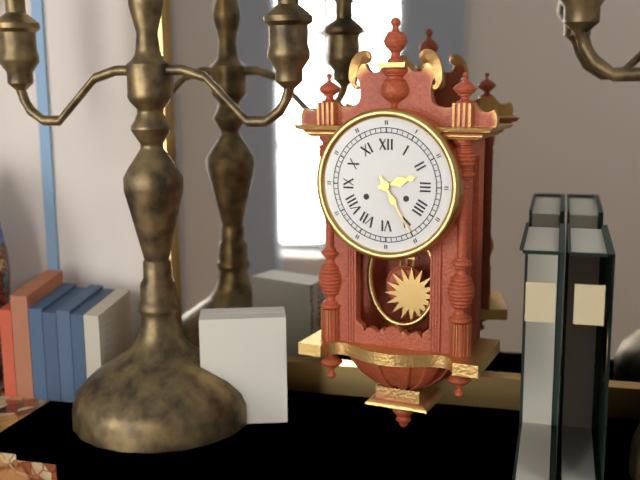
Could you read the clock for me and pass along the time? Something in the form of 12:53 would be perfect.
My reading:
2:25
